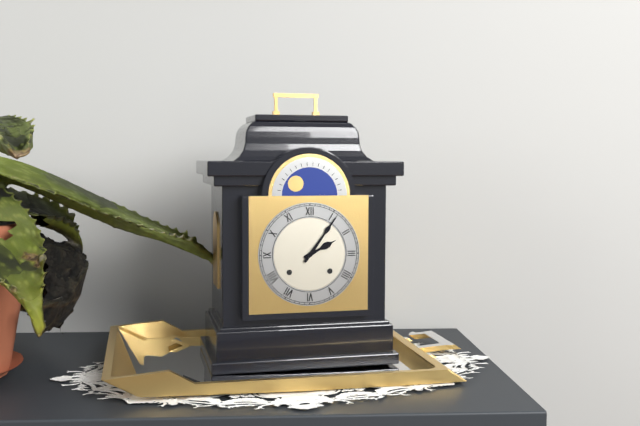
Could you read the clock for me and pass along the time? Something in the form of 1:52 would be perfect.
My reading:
2:06
